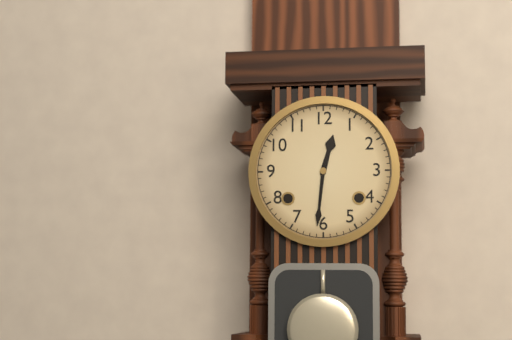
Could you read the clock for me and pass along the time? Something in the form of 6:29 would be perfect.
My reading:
12:31
